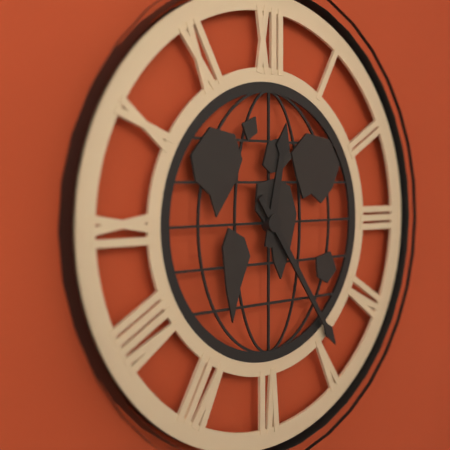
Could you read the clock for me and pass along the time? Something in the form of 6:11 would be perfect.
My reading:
12:24
